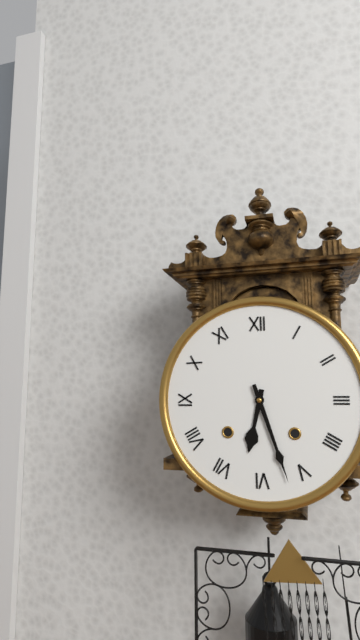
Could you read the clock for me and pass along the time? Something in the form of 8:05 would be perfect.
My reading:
6:27
